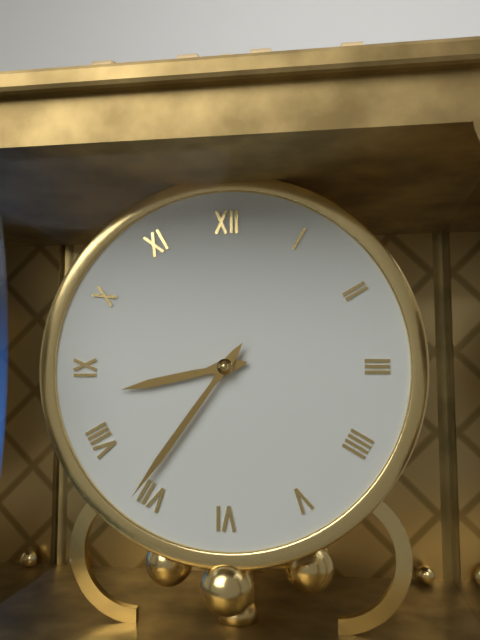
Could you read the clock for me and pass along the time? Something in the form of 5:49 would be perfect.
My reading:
8:36
